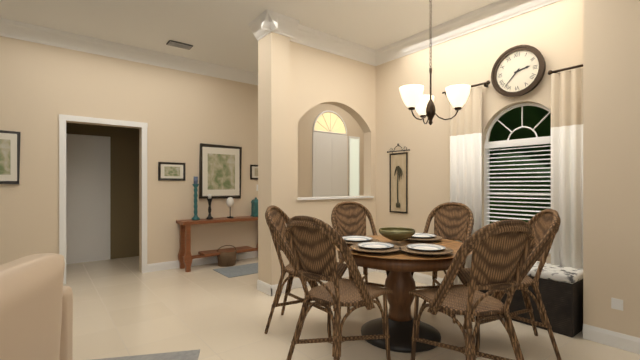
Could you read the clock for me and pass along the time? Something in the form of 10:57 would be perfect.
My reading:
2:37
